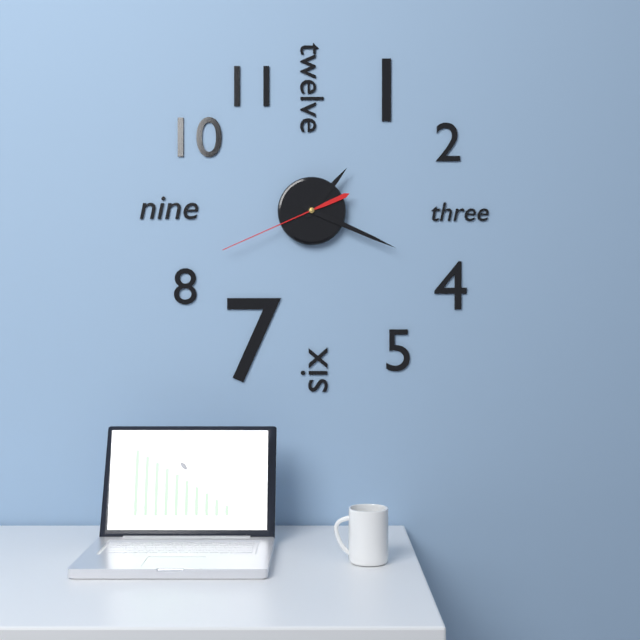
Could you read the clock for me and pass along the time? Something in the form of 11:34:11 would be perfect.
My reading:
1:19:41
